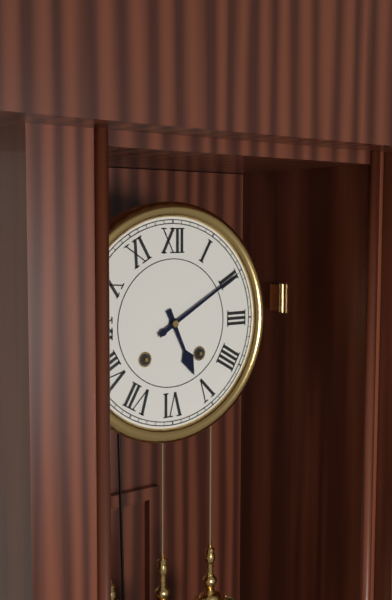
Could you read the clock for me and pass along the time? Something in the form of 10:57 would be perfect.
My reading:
5:10
